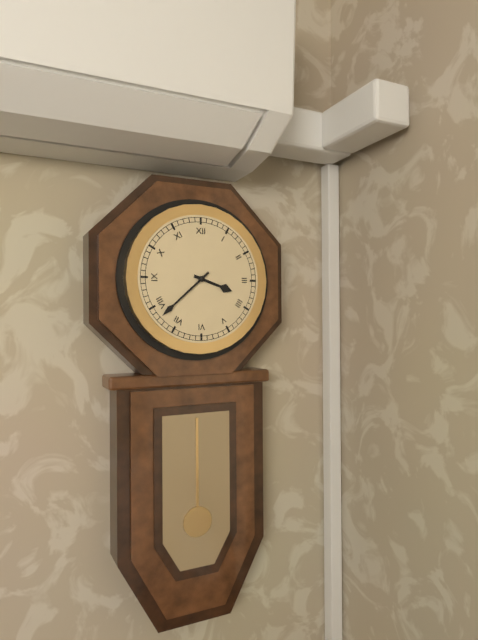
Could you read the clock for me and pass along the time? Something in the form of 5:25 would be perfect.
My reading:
3:38
